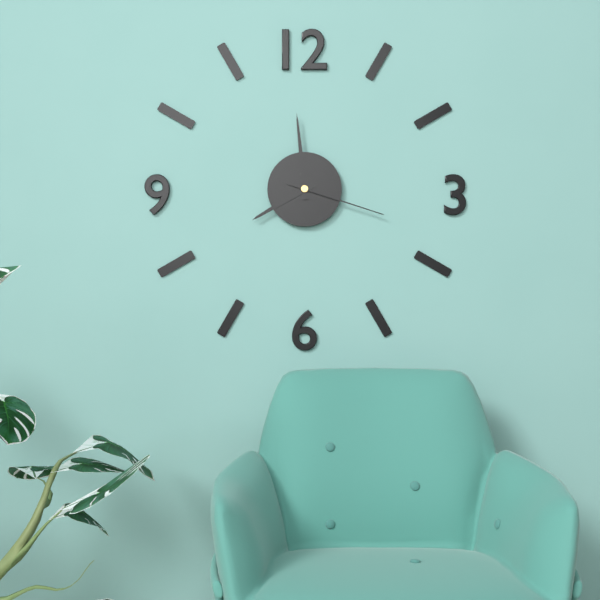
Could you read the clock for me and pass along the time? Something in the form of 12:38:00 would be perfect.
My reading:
7:59:18
